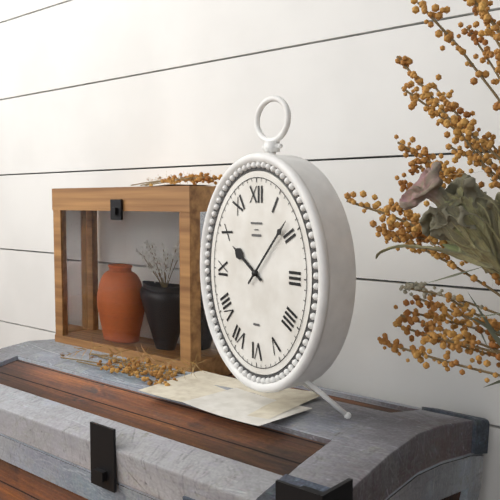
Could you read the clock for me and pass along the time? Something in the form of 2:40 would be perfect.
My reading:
10:07
